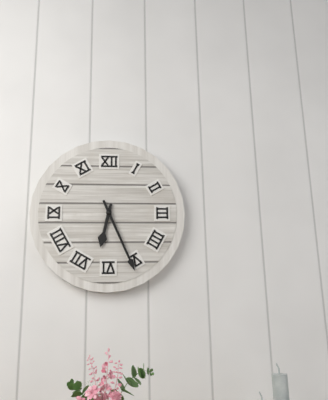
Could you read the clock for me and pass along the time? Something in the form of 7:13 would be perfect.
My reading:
6:26
